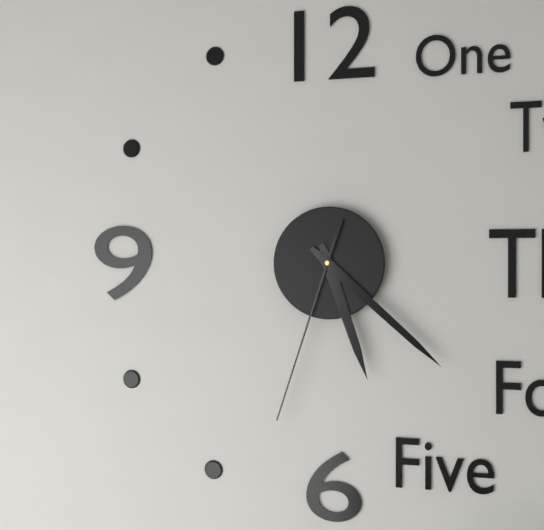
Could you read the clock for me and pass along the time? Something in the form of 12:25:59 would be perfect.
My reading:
5:22:33
